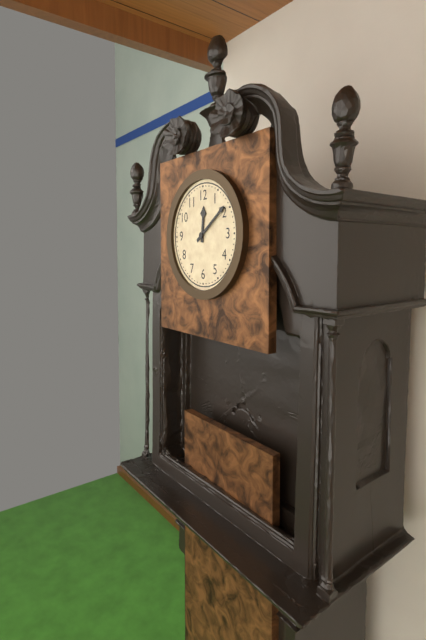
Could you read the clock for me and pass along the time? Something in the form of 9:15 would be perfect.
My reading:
12:09
